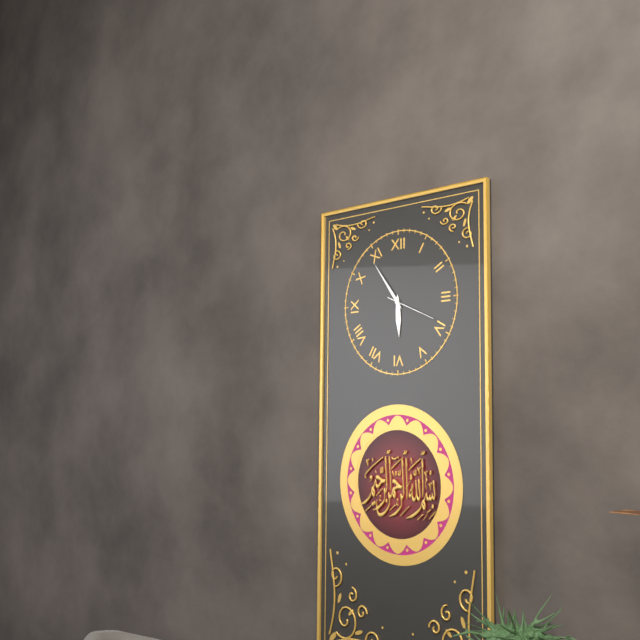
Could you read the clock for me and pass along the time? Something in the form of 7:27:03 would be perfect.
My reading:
5:54:19
